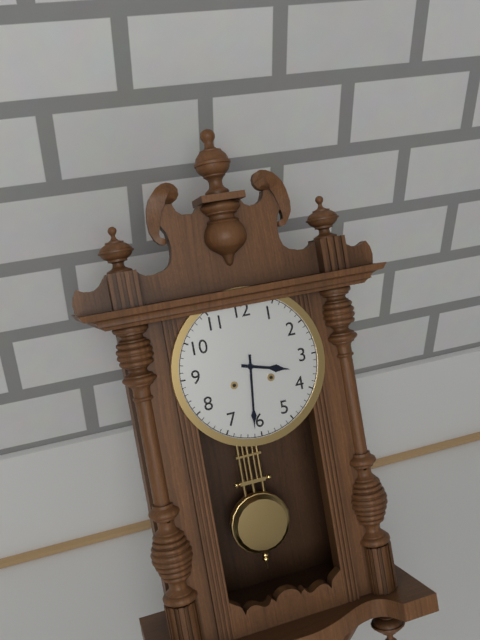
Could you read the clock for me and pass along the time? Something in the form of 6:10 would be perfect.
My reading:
3:31
